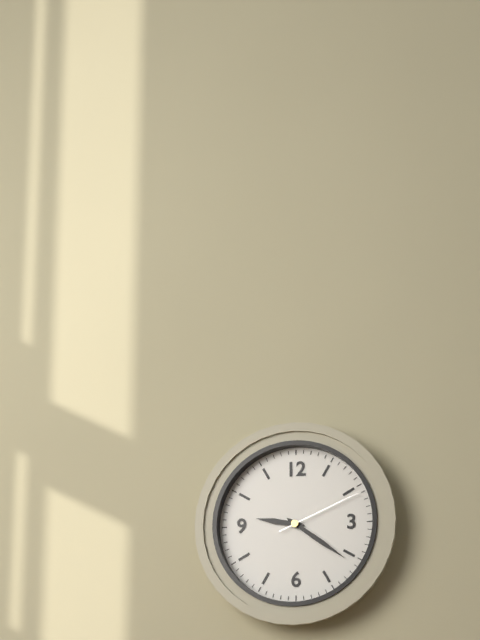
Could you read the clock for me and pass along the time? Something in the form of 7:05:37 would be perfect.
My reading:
9:21:11
